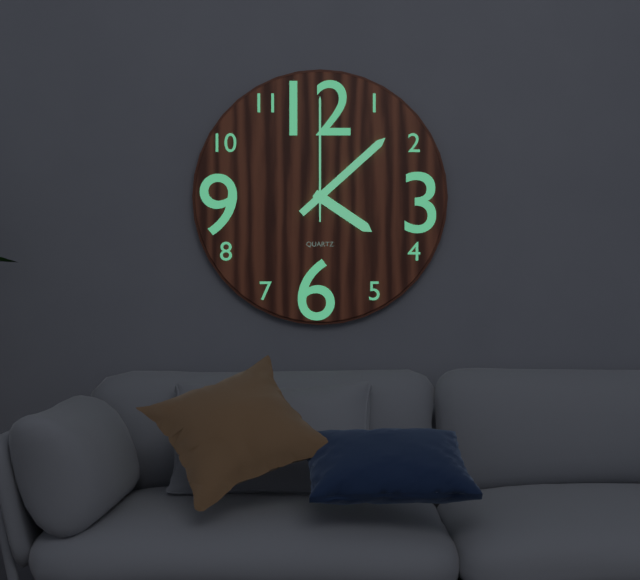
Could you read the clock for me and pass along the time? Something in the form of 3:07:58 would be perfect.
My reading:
4:08:00
